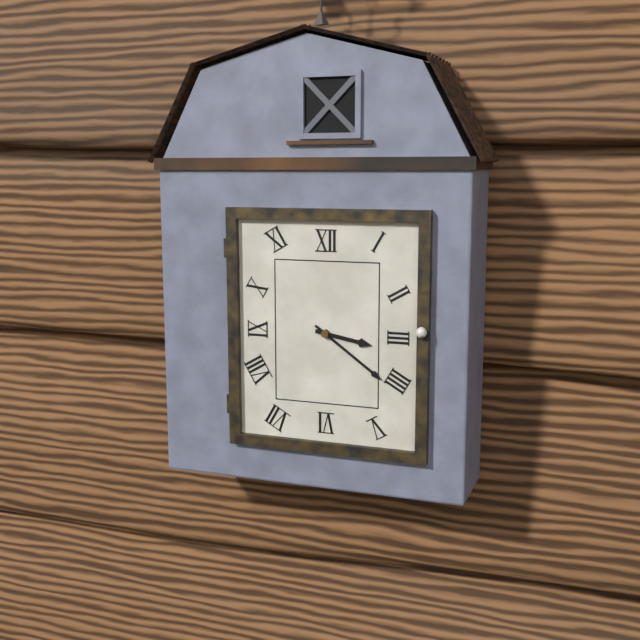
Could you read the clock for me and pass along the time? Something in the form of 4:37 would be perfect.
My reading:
3:21
